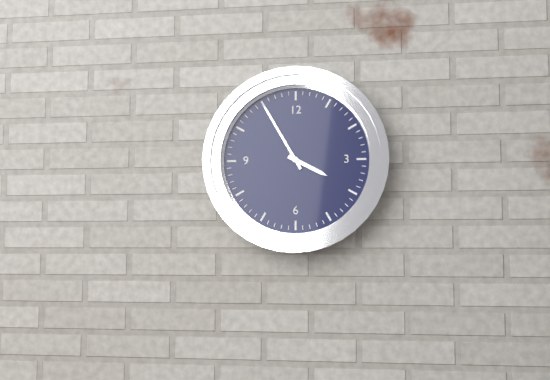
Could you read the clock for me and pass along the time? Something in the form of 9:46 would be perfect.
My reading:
3:55
